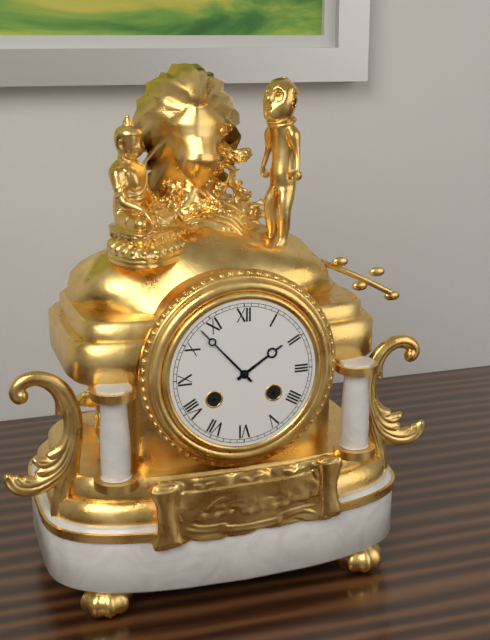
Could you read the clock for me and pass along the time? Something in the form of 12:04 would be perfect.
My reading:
1:53
